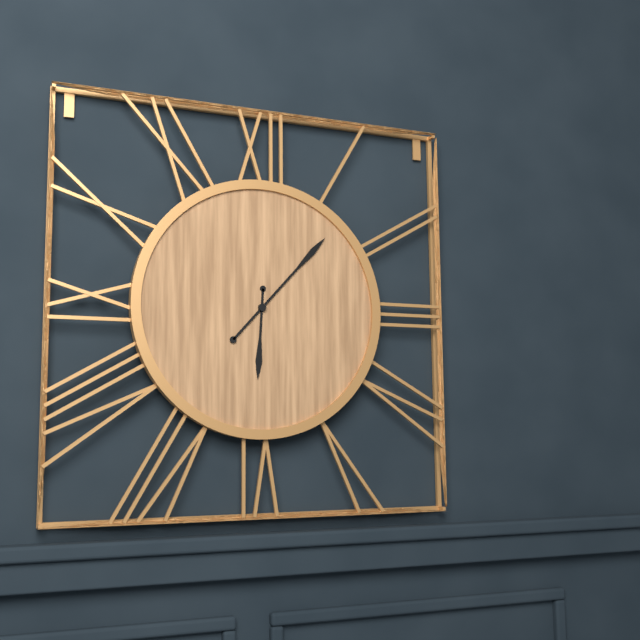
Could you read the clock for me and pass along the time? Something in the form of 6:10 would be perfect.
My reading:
6:07
